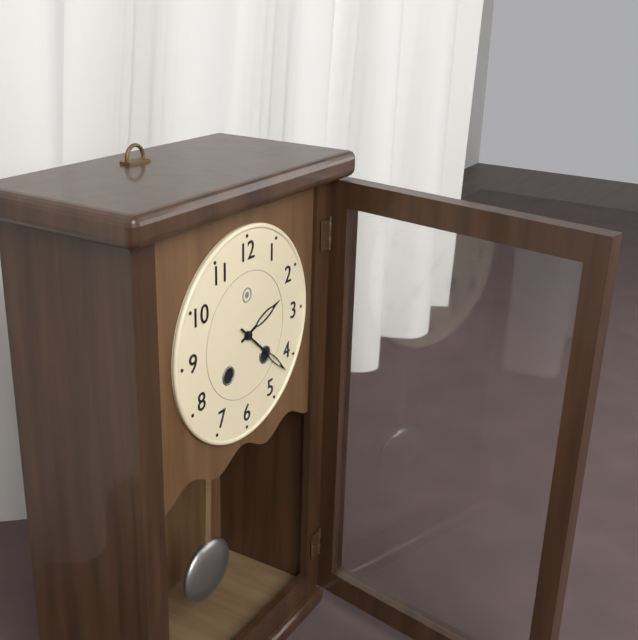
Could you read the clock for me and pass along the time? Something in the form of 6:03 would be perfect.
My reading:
2:22
